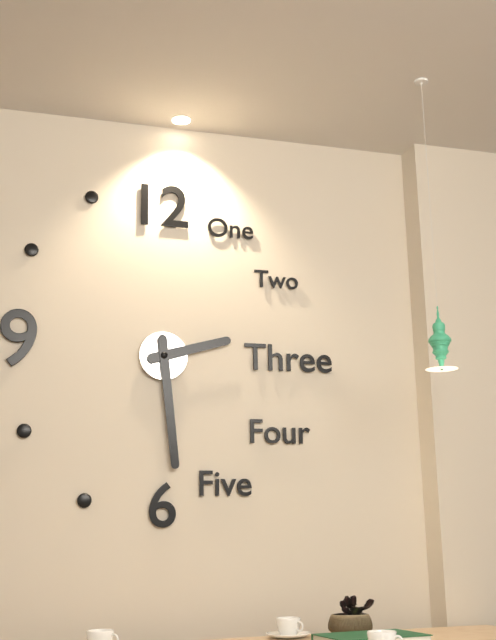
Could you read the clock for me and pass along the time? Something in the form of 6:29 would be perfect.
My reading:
2:29
